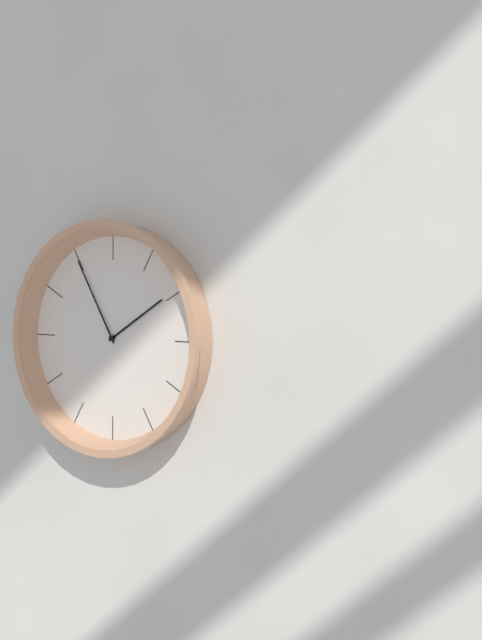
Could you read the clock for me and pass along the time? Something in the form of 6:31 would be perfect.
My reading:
1:55
